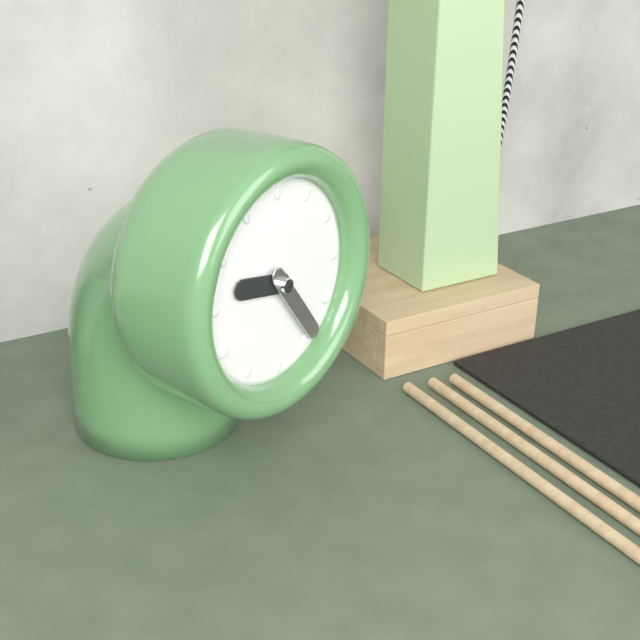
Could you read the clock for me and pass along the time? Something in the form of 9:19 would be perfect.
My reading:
9:24
